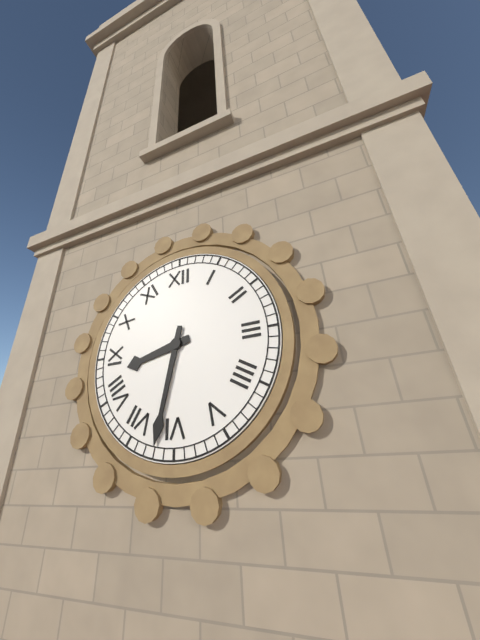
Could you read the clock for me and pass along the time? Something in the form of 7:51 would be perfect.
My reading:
8:32
